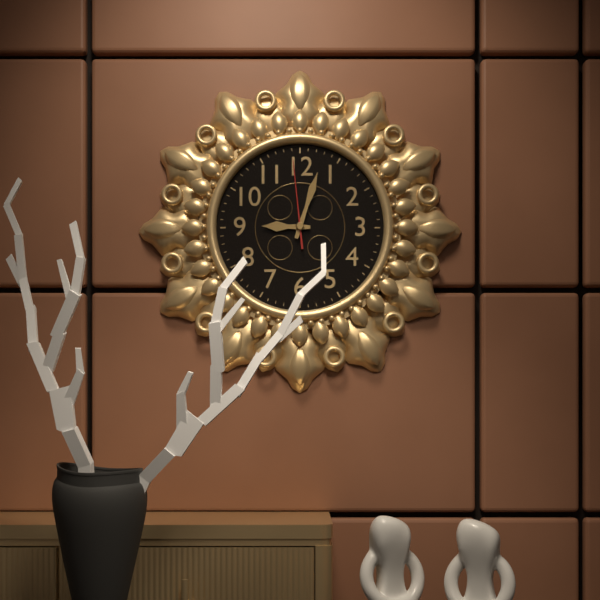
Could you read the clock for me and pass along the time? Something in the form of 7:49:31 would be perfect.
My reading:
9:03:59
